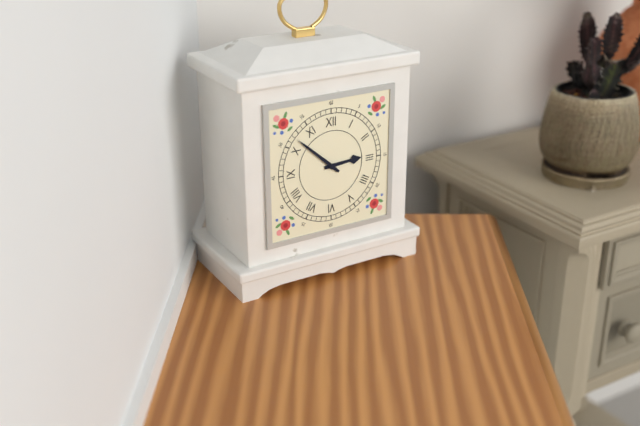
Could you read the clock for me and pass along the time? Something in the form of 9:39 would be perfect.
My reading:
2:52
